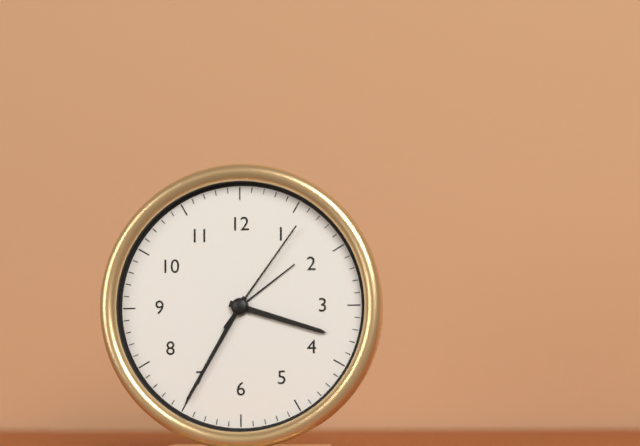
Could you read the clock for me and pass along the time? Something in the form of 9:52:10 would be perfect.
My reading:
3:35:06
